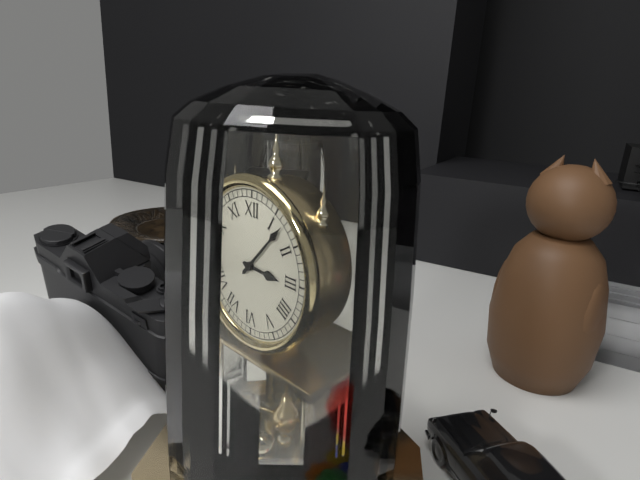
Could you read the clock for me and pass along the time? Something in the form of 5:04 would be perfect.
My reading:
3:07
